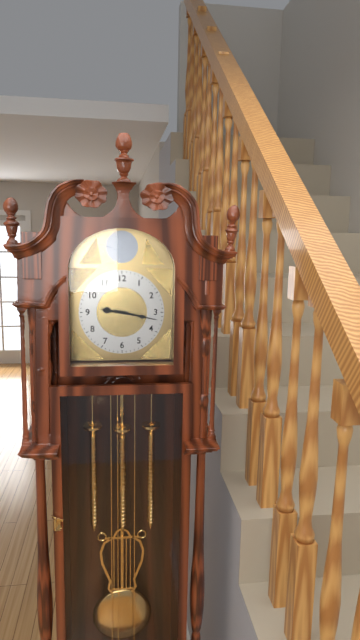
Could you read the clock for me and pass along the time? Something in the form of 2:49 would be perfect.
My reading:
9:17
